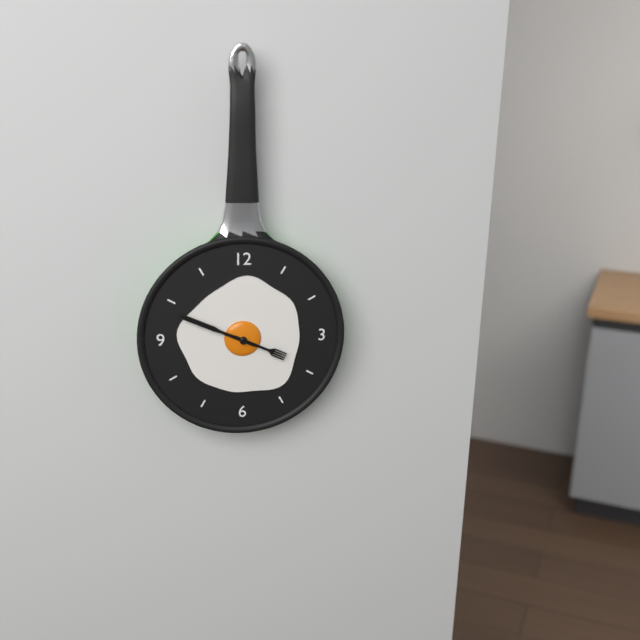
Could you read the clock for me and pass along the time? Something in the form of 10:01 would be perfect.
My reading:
3:49
